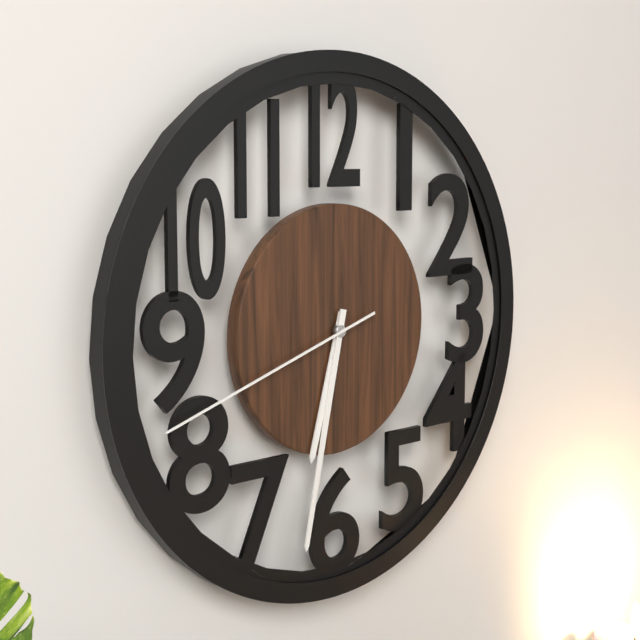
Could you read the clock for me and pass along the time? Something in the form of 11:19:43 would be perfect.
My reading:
6:32:42
